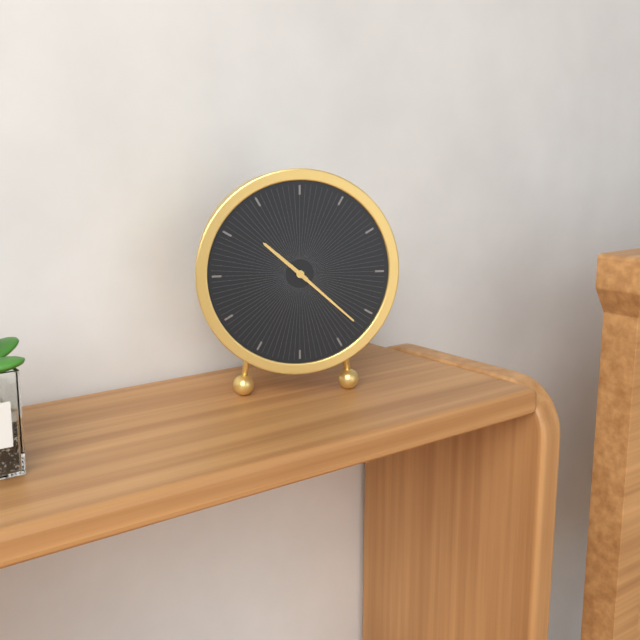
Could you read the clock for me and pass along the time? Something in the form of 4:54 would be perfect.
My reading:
10:22
